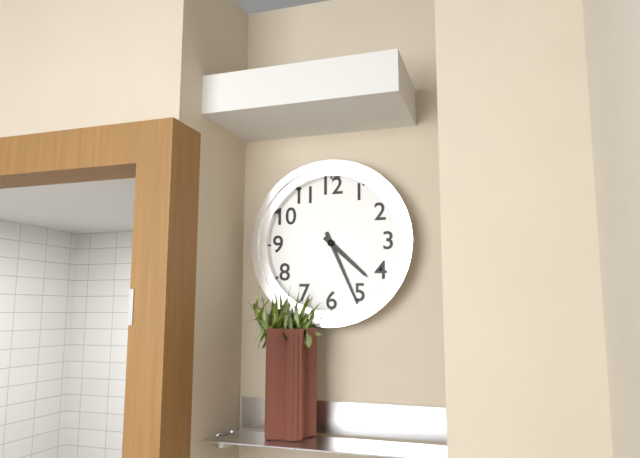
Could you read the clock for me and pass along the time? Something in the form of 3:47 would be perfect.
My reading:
4:26
